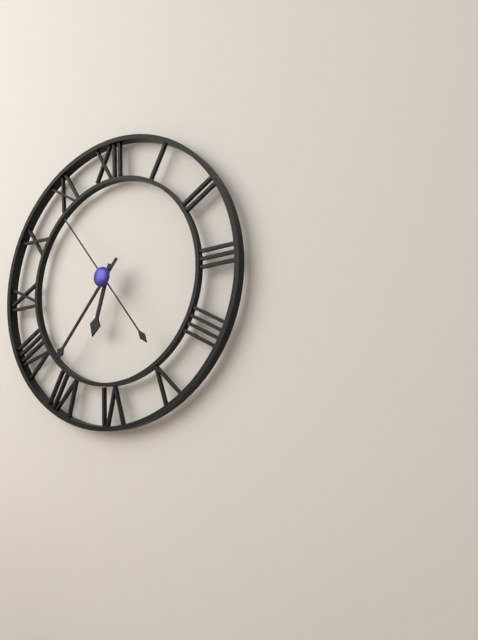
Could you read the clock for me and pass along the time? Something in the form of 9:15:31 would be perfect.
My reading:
6:37:54
